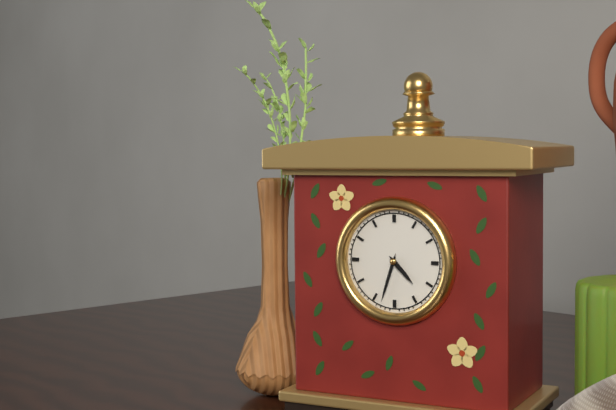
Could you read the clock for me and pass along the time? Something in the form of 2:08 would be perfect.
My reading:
4:33
